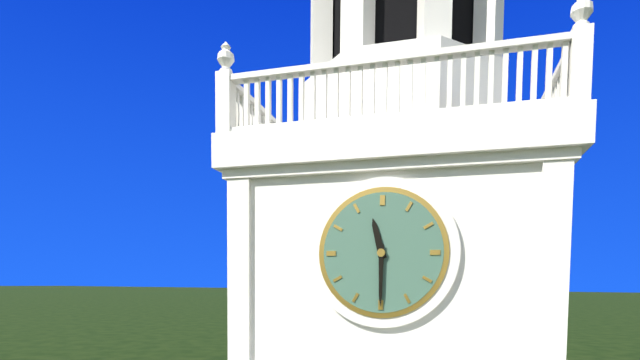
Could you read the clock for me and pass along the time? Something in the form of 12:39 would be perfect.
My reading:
11:30
